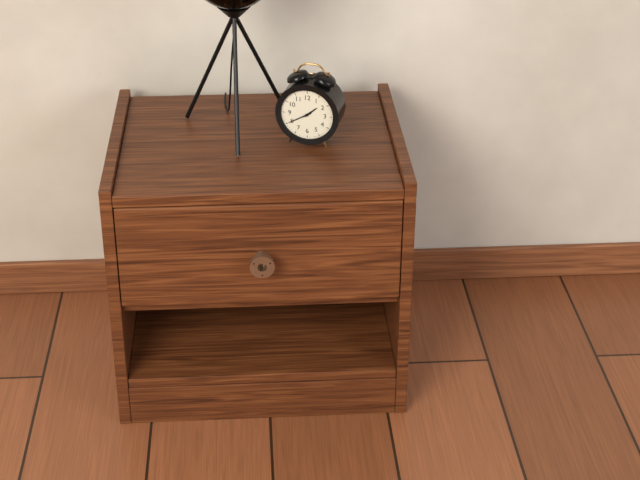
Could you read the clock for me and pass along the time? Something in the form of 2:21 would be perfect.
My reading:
1:40
